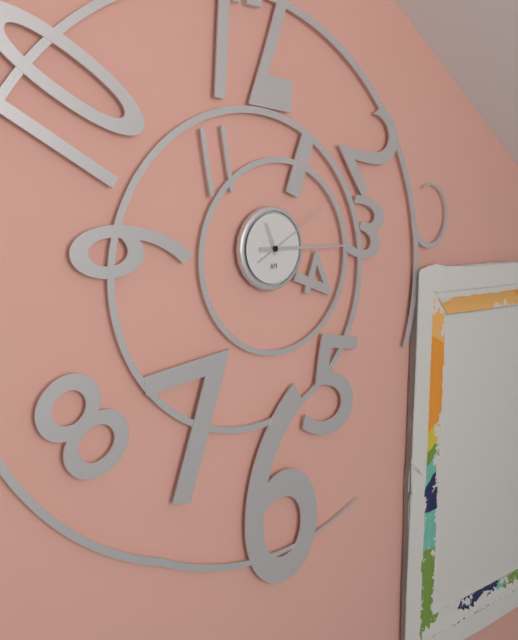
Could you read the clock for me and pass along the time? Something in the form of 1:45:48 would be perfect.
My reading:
11:15:10
